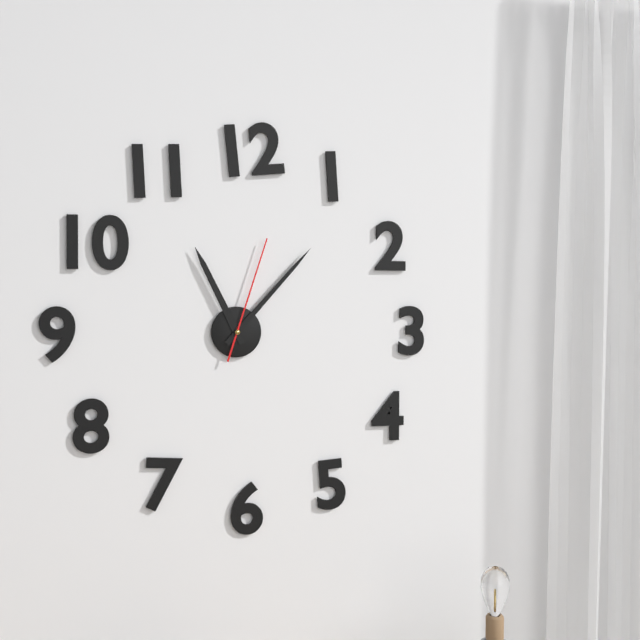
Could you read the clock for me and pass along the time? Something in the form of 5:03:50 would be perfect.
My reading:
11:07:03
